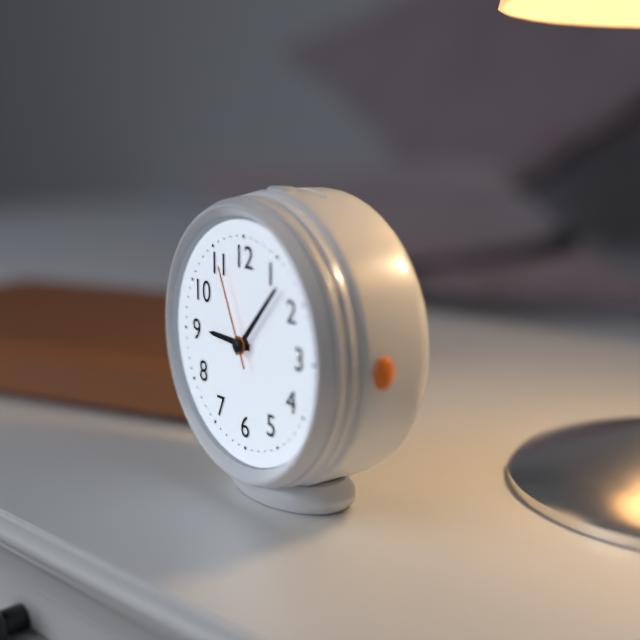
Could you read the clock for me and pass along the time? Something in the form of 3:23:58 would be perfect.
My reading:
9:07:56
